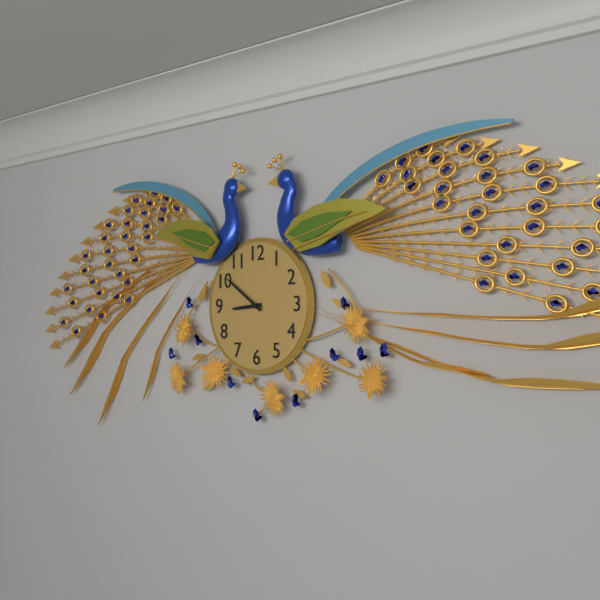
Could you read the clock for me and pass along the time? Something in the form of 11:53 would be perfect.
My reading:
8:51
